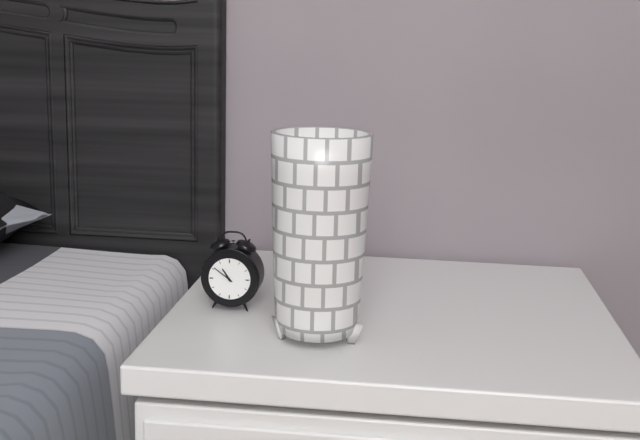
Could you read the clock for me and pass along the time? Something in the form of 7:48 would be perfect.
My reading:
10:51
